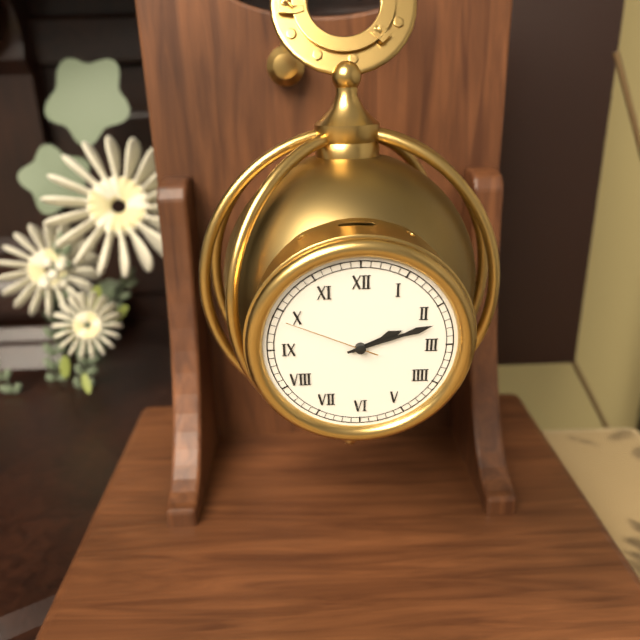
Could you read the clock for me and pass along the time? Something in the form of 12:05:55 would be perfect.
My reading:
2:12:49
